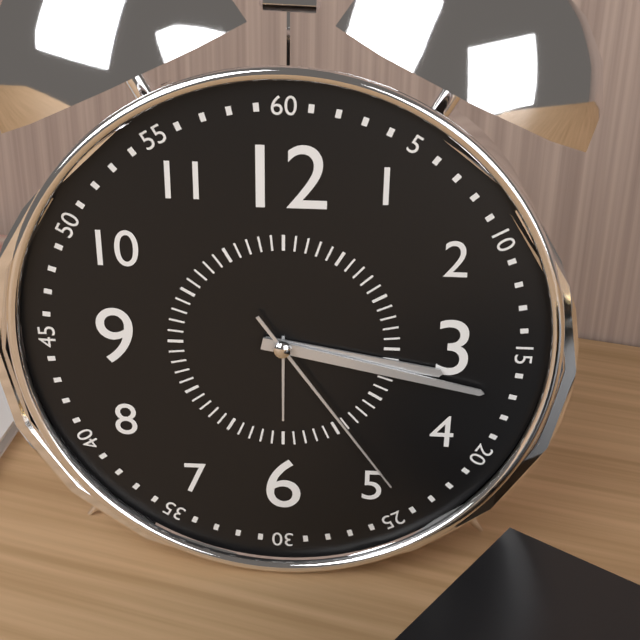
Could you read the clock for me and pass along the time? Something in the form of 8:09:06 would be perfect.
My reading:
3:17:24
